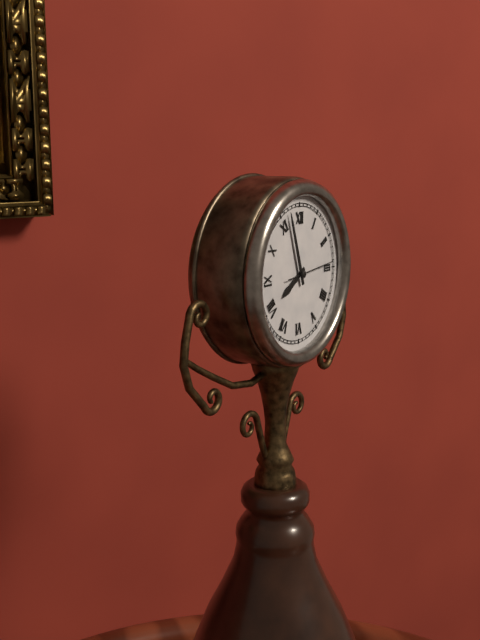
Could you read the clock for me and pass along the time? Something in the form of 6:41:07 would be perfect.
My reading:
7:57:14
